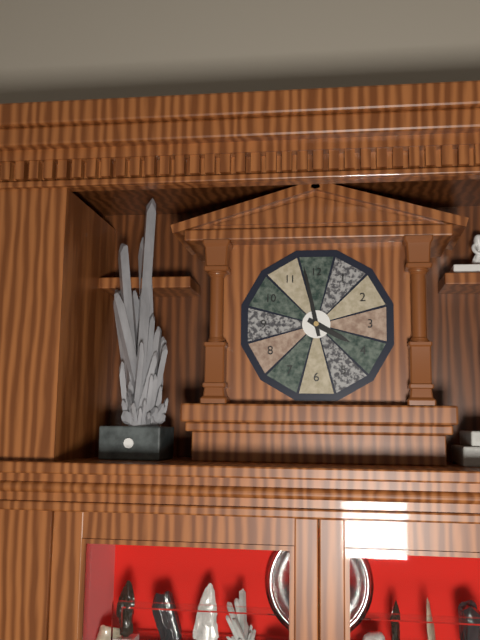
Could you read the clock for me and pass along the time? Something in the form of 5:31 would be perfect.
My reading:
3:58
